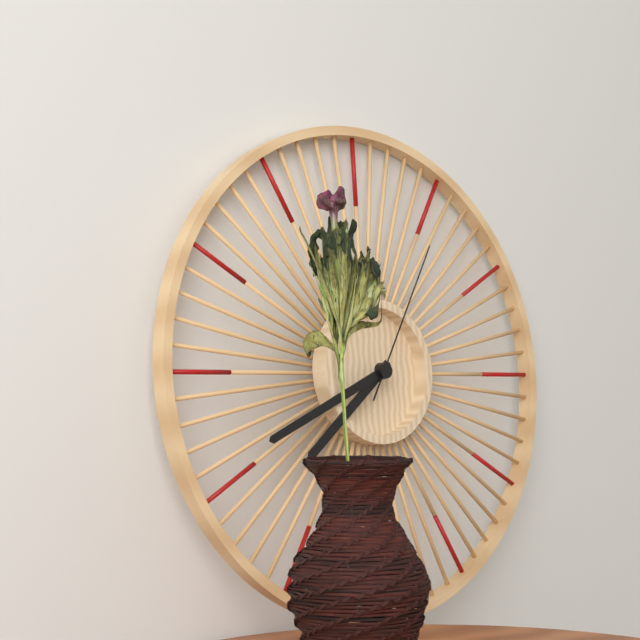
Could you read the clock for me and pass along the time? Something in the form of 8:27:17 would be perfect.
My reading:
7:41:05
